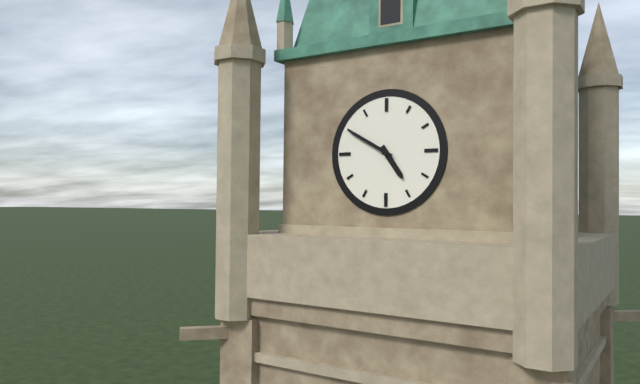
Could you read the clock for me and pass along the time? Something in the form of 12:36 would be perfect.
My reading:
4:50
